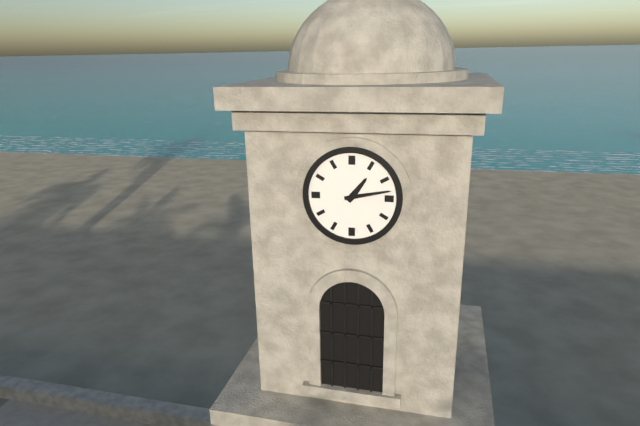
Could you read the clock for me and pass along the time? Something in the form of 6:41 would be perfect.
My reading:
1:13
